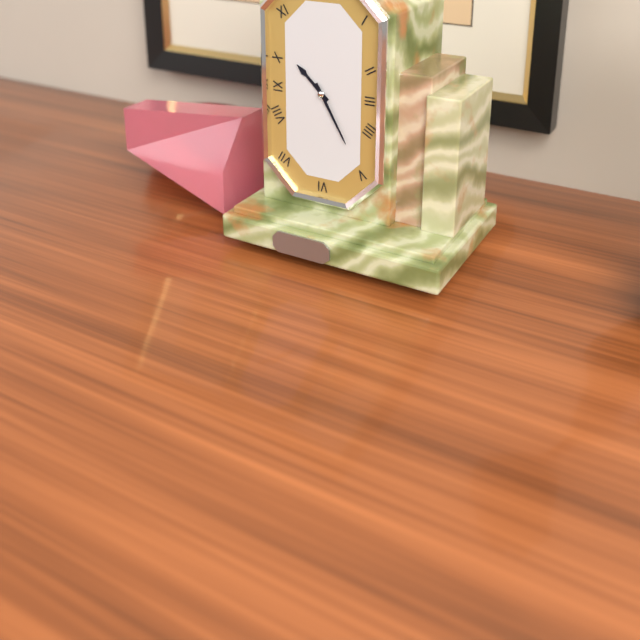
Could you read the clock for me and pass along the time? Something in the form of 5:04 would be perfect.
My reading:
10:25
